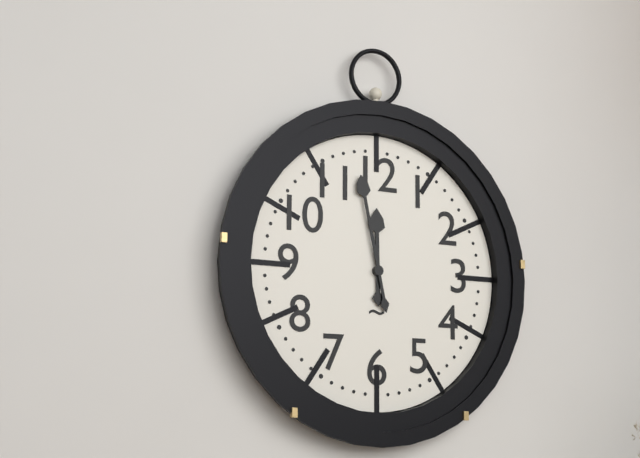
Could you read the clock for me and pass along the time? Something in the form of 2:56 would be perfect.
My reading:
11:58
